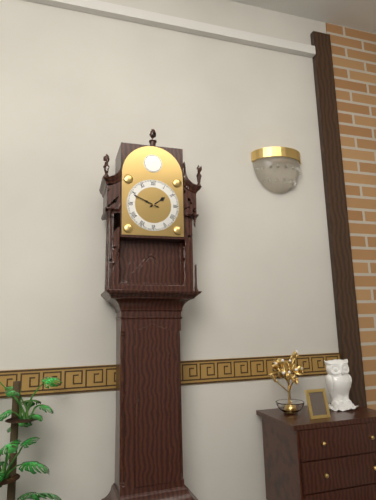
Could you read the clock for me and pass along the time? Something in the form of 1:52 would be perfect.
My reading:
1:49
